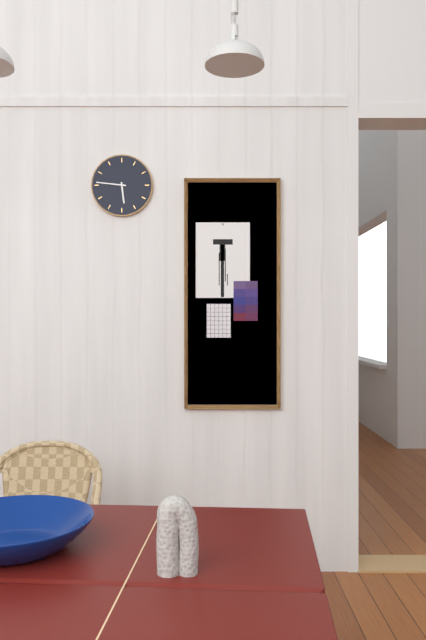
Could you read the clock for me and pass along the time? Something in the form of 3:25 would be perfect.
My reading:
5:46
